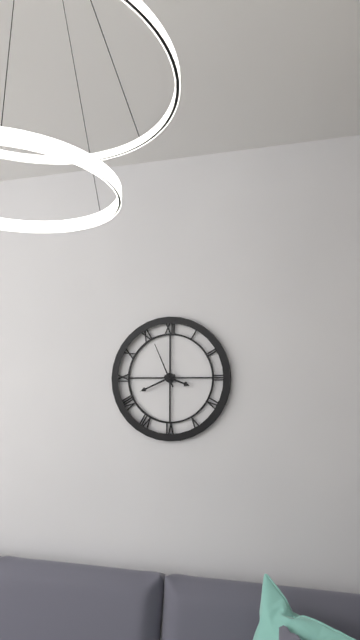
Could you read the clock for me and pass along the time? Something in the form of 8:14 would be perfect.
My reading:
3:41
